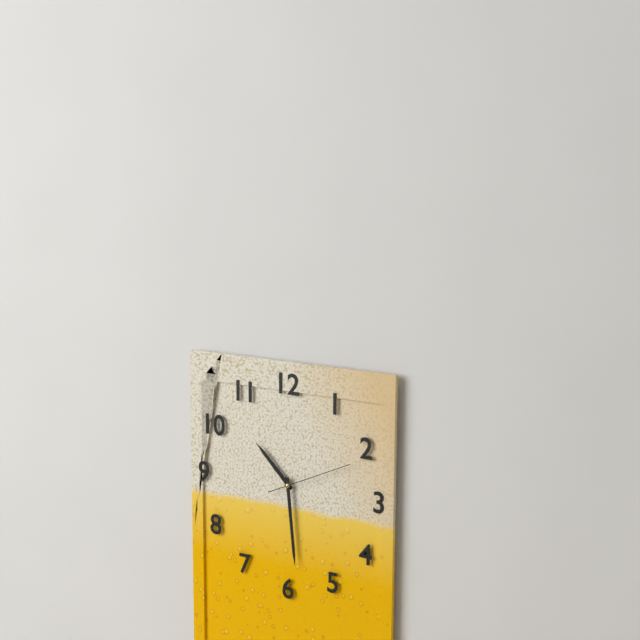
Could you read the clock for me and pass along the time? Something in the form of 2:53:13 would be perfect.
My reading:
10:29:11
